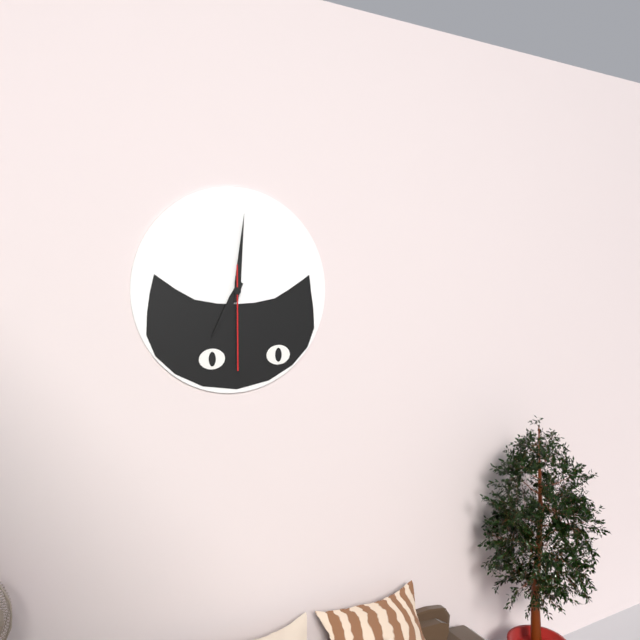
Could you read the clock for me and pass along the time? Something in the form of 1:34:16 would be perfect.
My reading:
7:01:30
